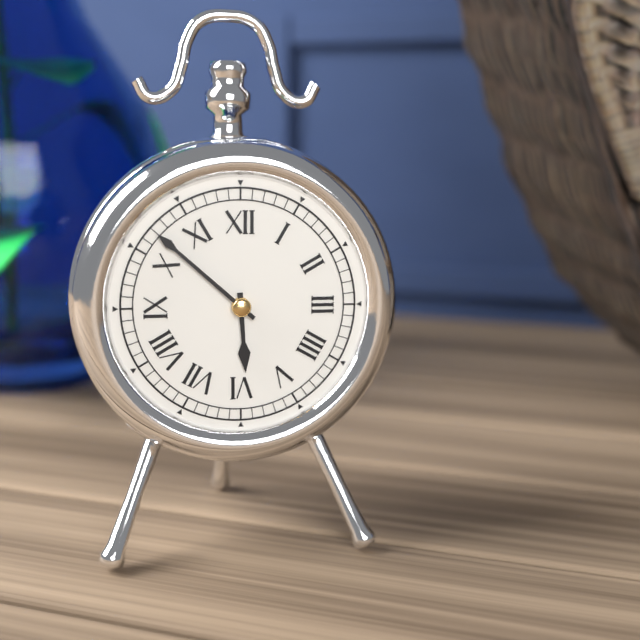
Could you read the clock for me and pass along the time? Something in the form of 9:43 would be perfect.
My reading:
5:52
